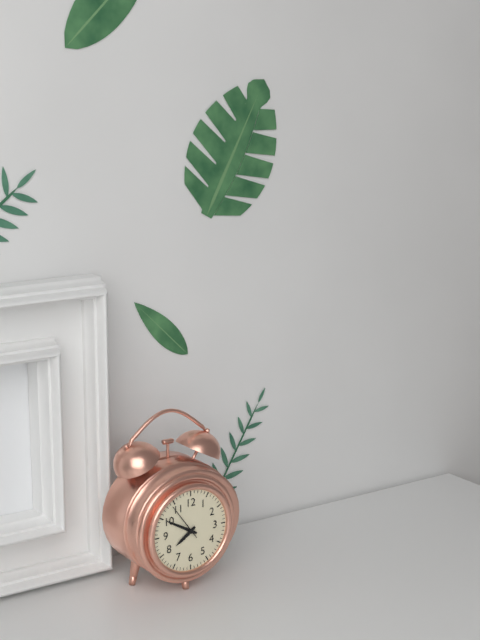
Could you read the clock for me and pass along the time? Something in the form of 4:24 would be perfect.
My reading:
7:50
